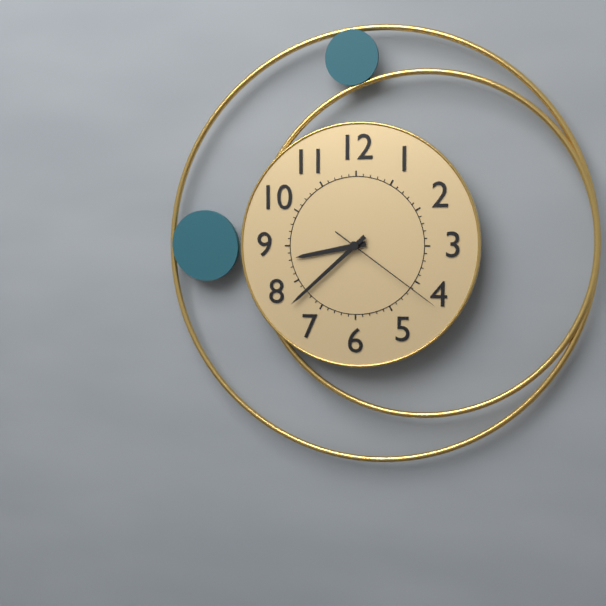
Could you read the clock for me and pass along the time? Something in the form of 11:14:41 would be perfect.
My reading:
8:38:21
